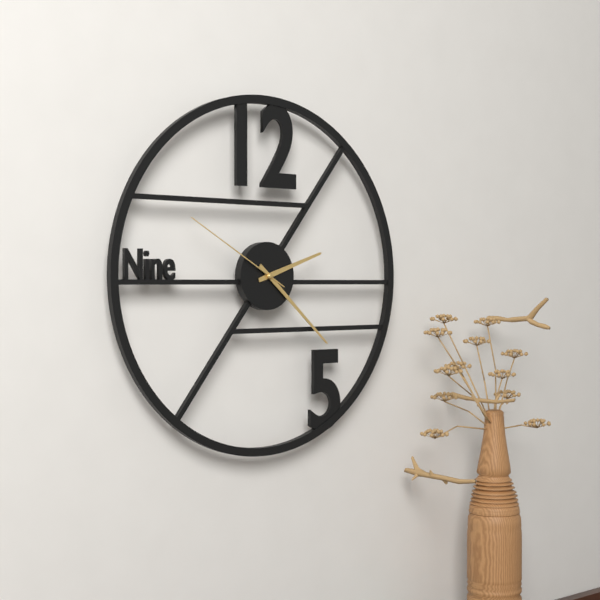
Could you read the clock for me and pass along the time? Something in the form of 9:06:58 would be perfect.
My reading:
2:22:50
